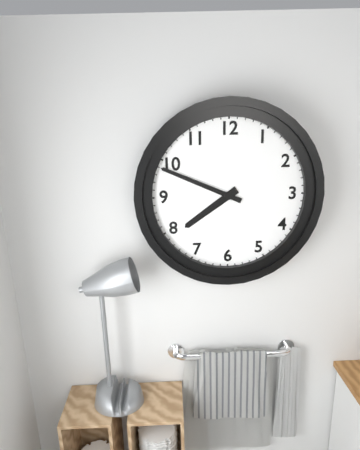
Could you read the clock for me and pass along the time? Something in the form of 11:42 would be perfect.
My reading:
7:49
